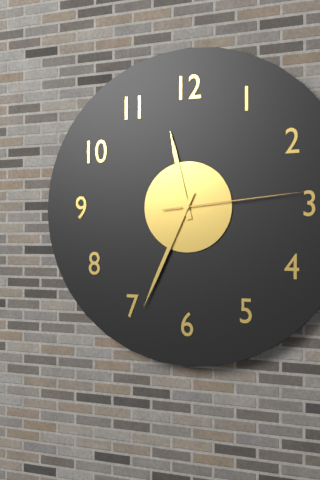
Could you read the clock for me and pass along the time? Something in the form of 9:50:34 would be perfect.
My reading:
11:34:14
